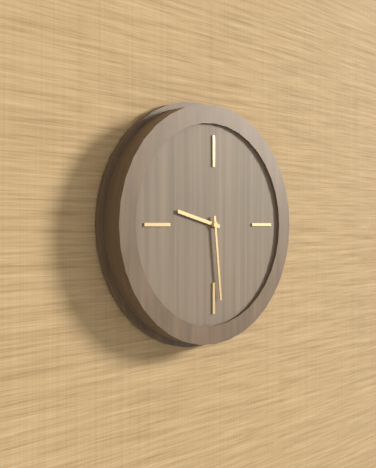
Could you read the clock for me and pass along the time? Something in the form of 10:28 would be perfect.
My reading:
9:29
